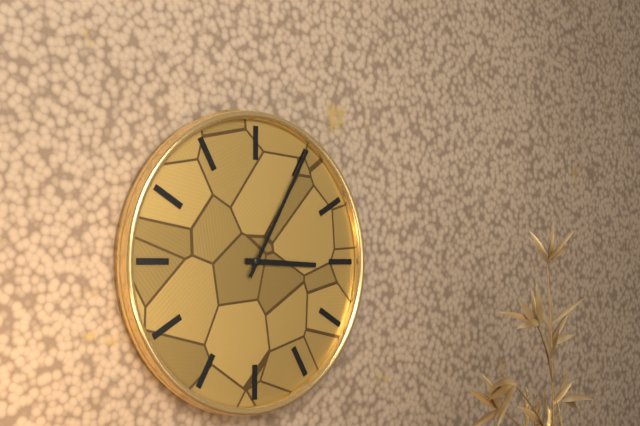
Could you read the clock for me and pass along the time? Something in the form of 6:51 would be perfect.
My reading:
3:05
